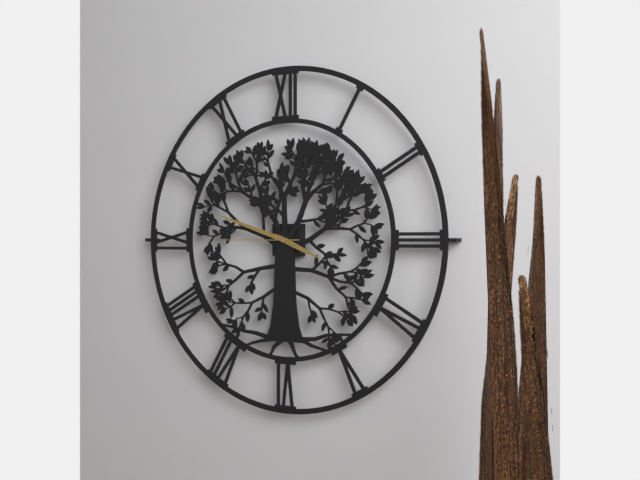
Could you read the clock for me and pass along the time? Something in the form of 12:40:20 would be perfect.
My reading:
3:48:45
